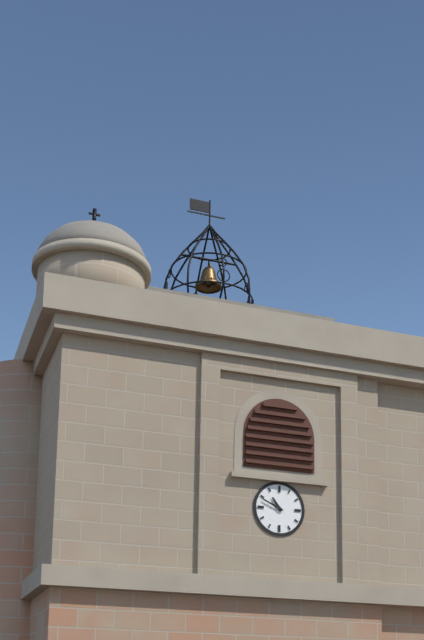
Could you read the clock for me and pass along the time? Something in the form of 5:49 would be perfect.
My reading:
10:49
